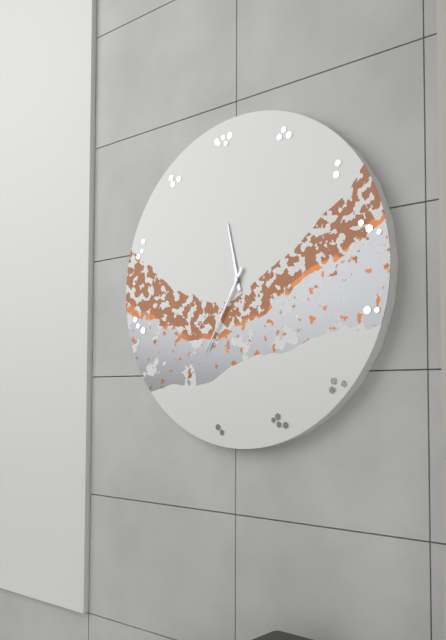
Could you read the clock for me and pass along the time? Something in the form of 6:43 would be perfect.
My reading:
11:35
